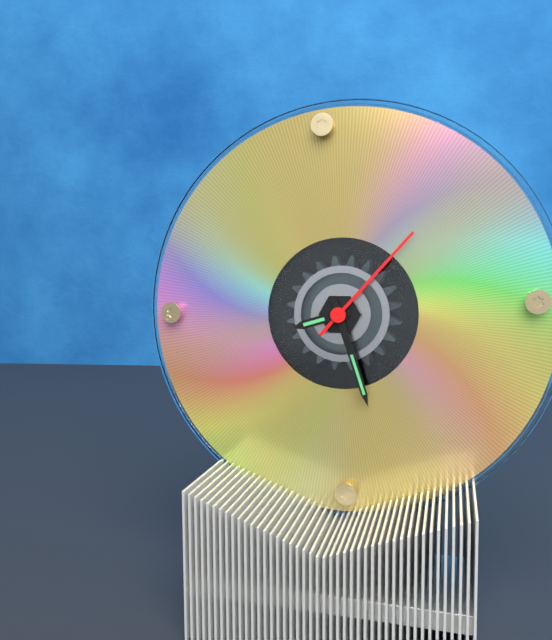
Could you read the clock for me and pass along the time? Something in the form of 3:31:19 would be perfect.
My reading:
8:27:07
